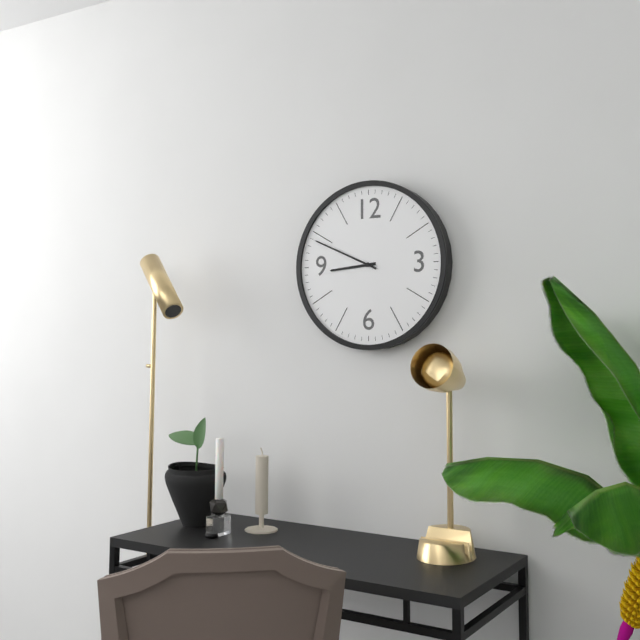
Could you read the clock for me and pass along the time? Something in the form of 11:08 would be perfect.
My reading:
8:49
